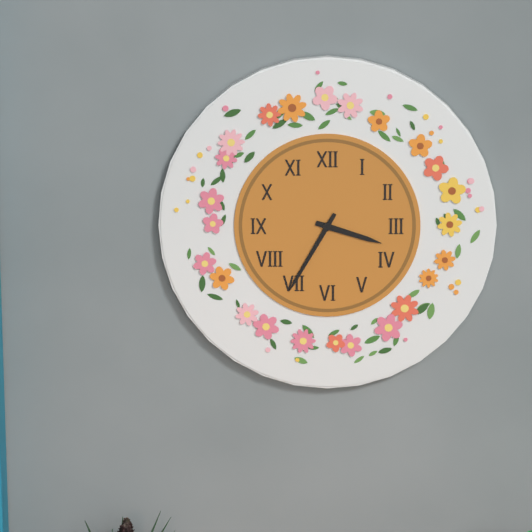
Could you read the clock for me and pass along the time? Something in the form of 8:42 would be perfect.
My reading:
3:35
